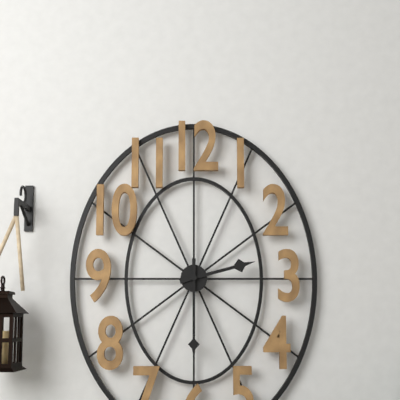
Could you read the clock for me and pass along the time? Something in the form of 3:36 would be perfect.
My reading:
2:30
